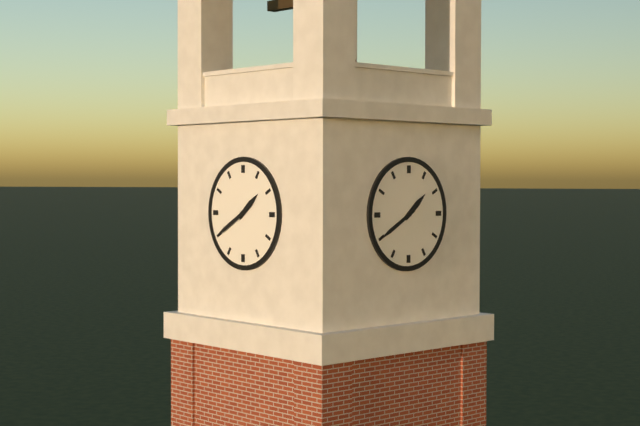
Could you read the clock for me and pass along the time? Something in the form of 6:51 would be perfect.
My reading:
1:40
